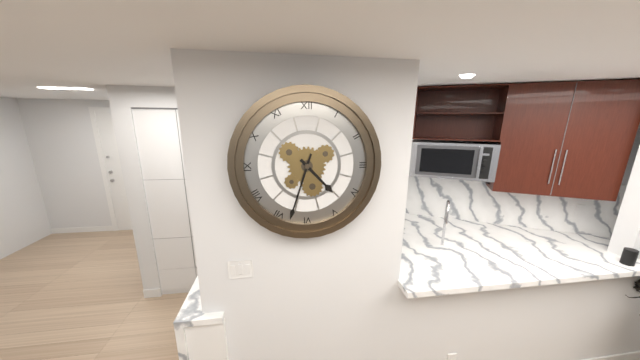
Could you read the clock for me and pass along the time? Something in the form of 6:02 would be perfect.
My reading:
4:33
